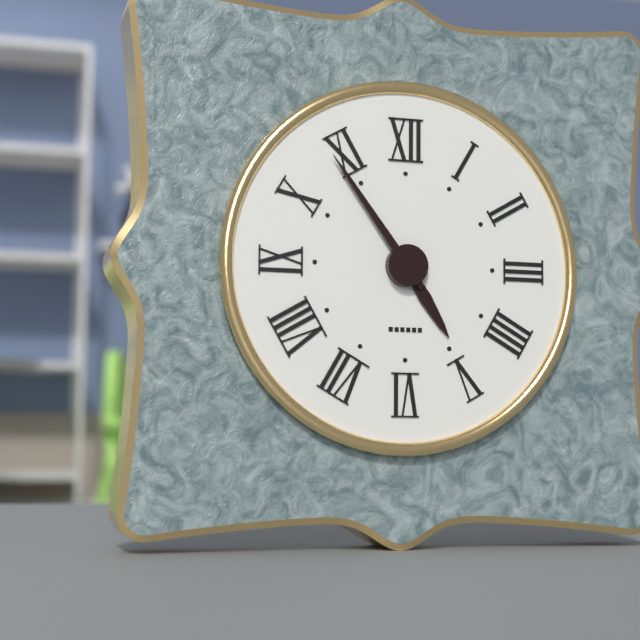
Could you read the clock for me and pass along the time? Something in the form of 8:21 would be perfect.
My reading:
4:54
